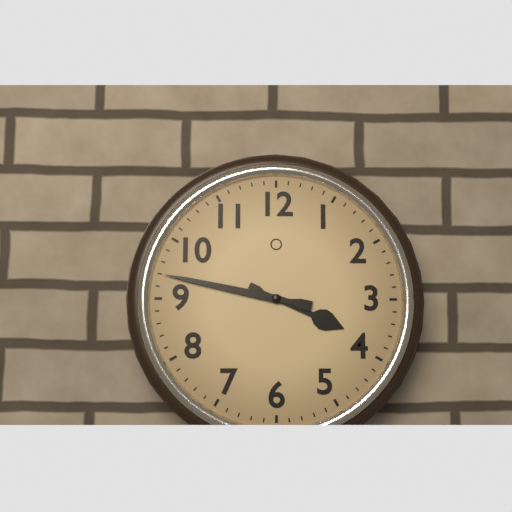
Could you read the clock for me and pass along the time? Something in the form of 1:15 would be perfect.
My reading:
3:47
